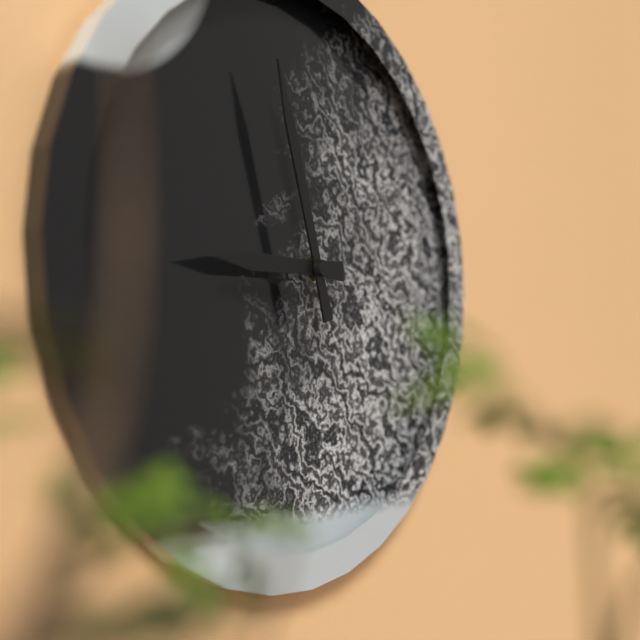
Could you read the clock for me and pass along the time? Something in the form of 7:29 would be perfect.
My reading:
8:57
